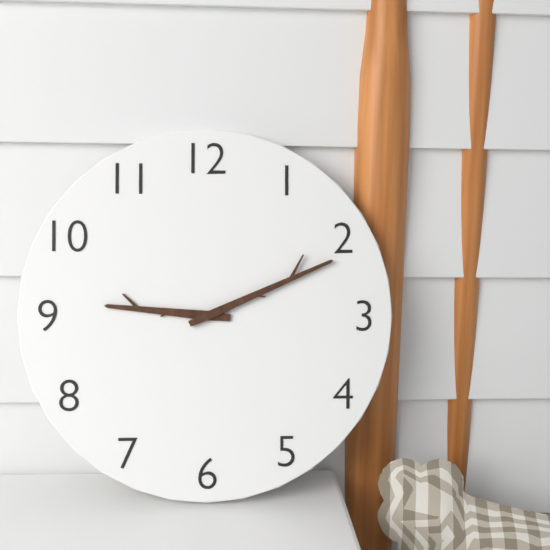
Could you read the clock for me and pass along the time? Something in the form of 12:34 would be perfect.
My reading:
9:11
